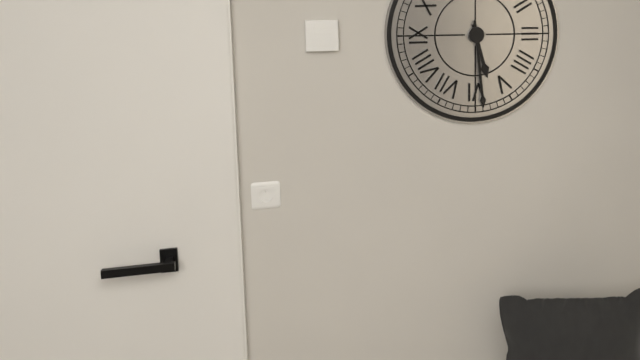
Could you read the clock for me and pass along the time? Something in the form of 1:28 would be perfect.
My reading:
5:29
